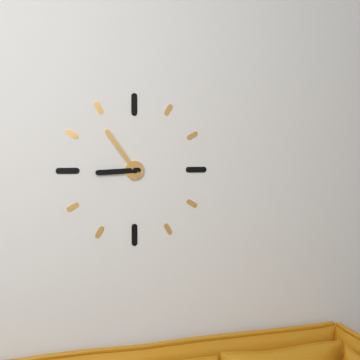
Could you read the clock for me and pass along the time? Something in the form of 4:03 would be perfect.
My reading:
8:54
